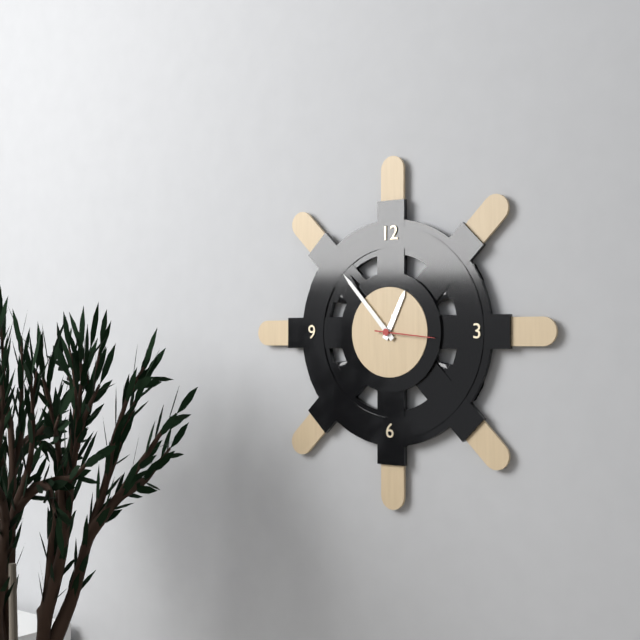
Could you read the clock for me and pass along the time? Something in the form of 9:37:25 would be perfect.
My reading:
12:53:16
